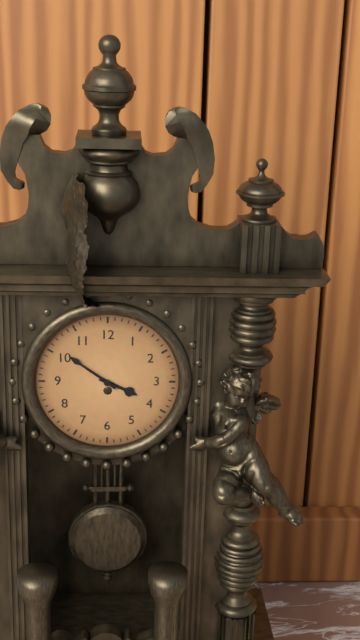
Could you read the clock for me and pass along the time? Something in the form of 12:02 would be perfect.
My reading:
3:51
